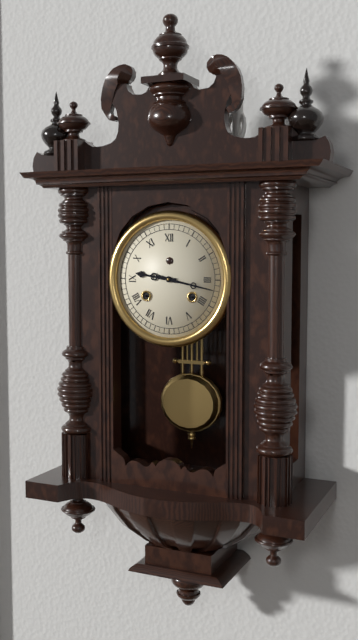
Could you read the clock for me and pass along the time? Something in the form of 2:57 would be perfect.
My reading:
9:17
